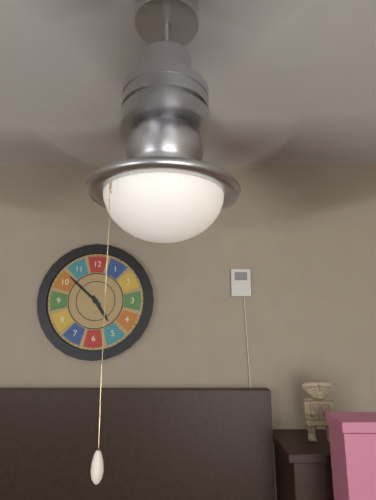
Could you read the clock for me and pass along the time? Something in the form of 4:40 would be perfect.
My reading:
4:52
